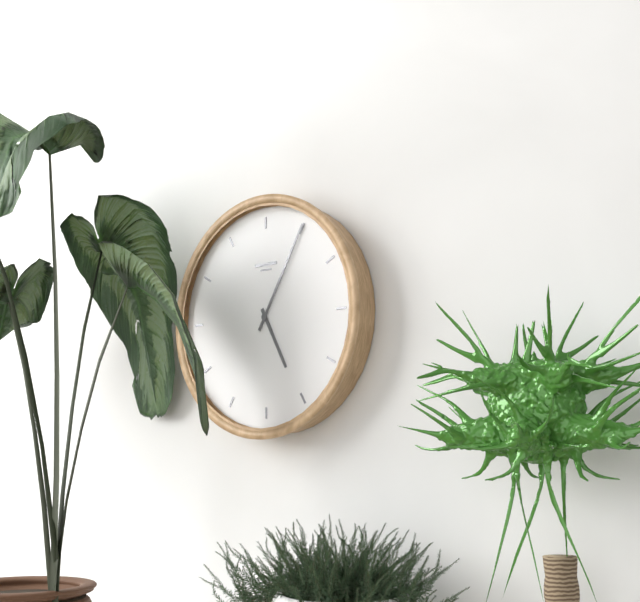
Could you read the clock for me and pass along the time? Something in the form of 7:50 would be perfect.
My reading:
5:05
